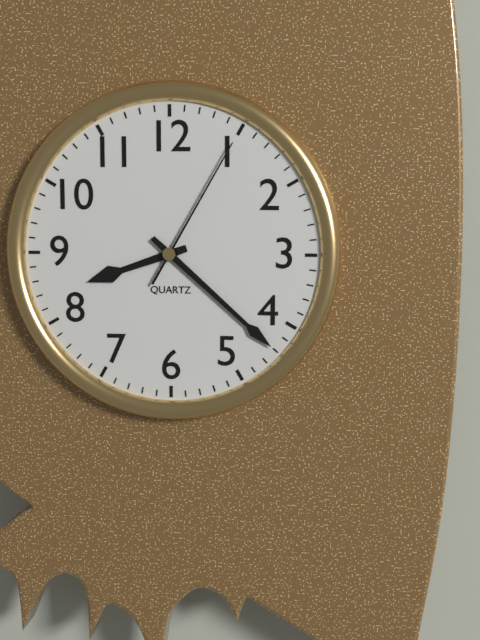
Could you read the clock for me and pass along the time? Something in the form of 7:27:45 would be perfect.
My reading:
8:22:05
